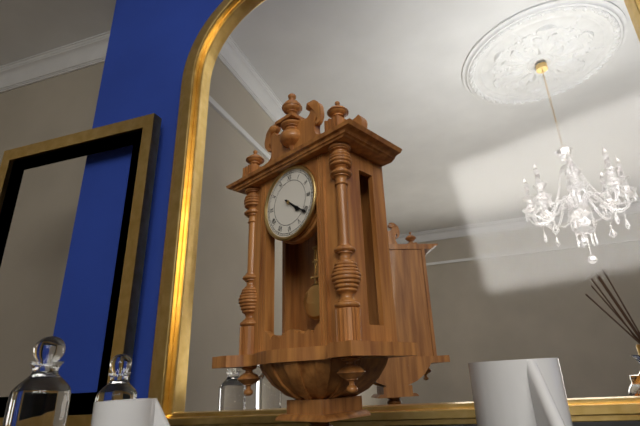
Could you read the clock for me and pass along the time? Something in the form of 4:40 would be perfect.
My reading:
4:21
